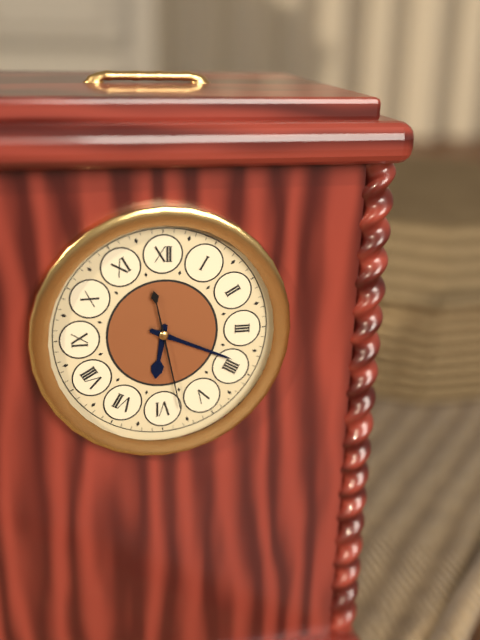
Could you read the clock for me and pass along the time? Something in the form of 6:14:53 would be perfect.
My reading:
6:19:28
